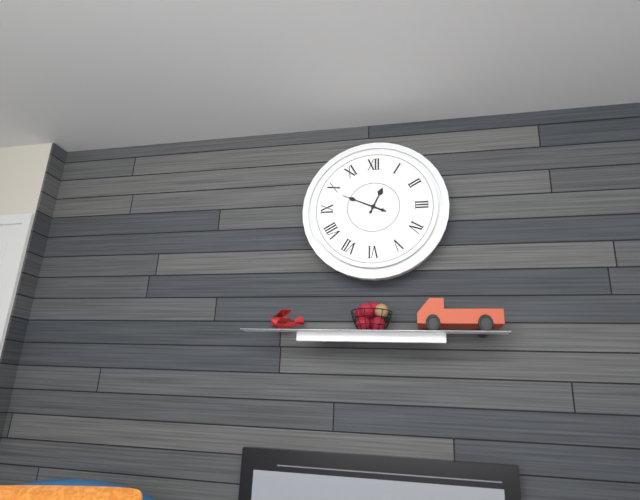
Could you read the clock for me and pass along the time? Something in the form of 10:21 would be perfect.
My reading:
12:49
